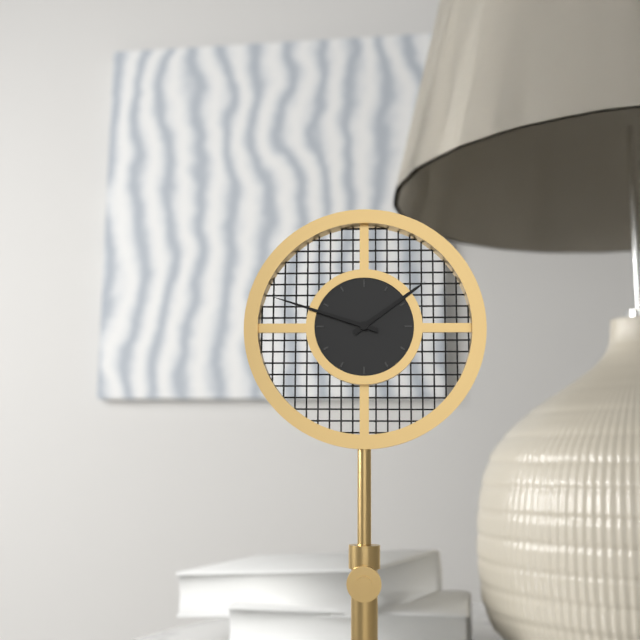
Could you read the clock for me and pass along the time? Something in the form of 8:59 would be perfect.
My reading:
1:48
